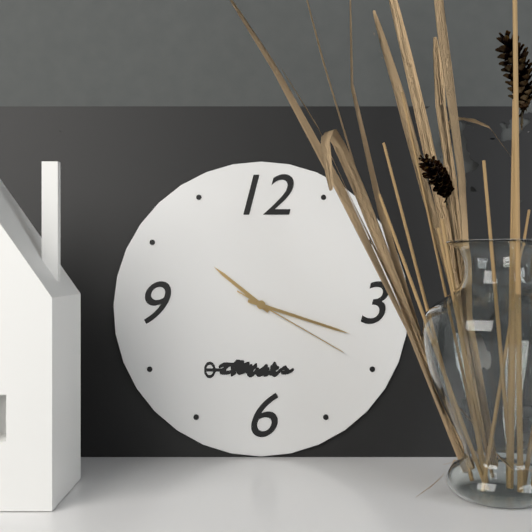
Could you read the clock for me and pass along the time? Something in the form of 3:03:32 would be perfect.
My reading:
10:18:20
